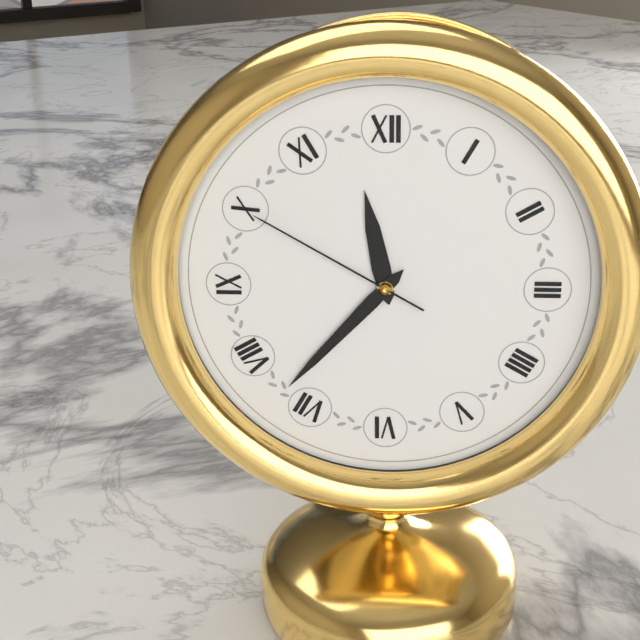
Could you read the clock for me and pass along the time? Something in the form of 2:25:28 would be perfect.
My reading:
11:37:50
